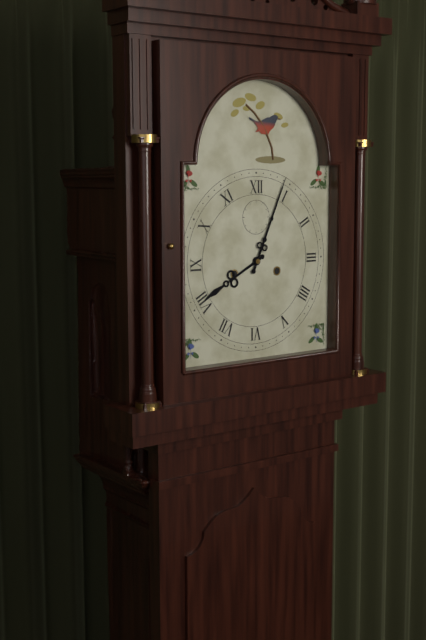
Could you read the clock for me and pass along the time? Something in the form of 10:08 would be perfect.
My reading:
8:04
